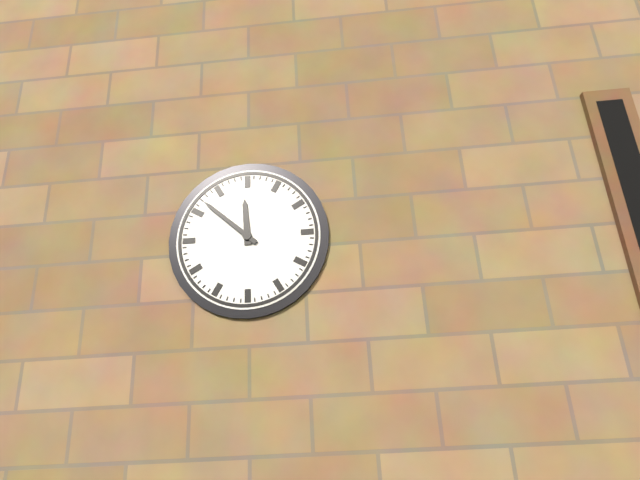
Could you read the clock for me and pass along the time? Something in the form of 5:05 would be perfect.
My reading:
11:52
